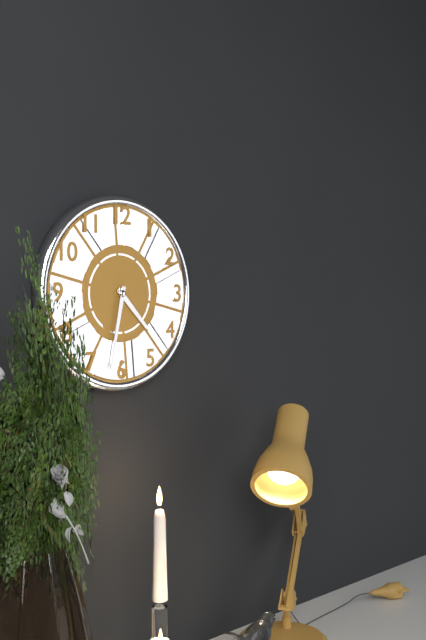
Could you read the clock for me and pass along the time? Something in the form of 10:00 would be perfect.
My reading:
4:32
